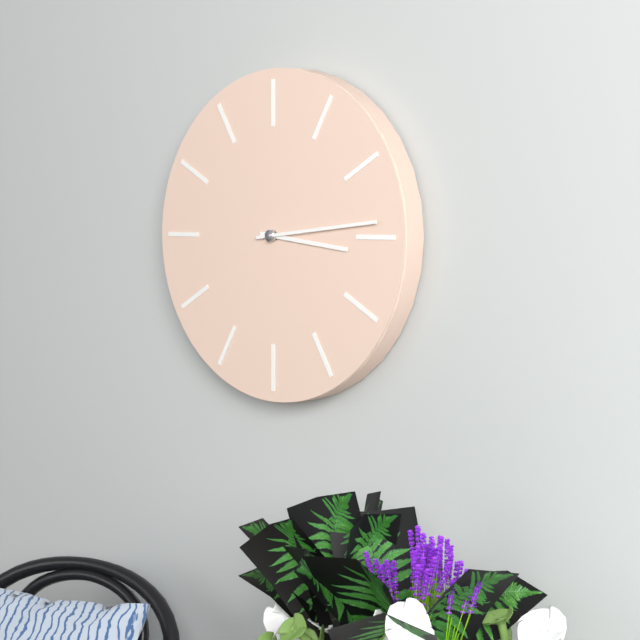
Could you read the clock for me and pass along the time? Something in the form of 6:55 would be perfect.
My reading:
3:14
